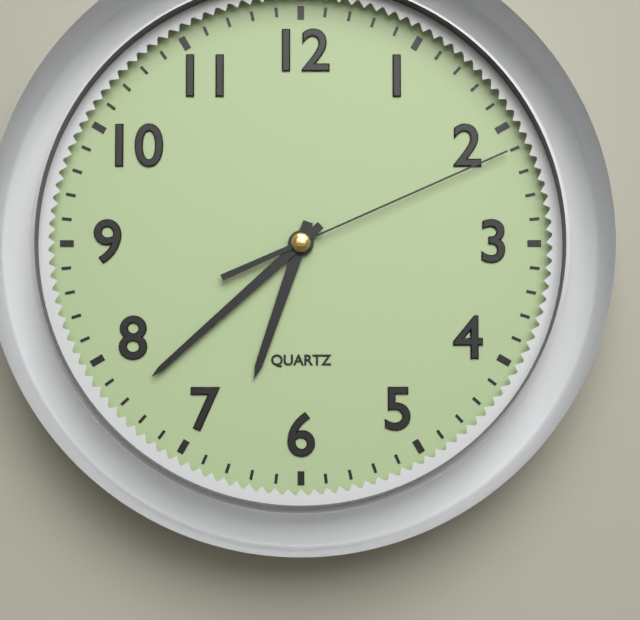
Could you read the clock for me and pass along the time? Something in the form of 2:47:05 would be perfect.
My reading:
6:38:11
